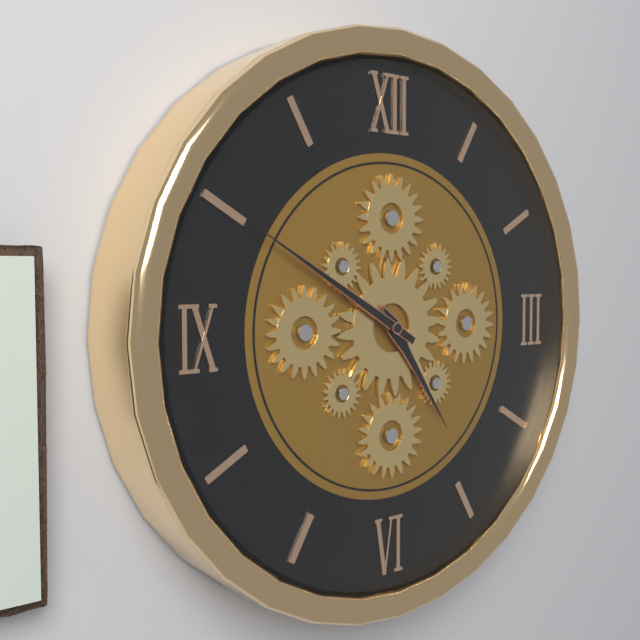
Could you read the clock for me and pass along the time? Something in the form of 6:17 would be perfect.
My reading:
4:50
